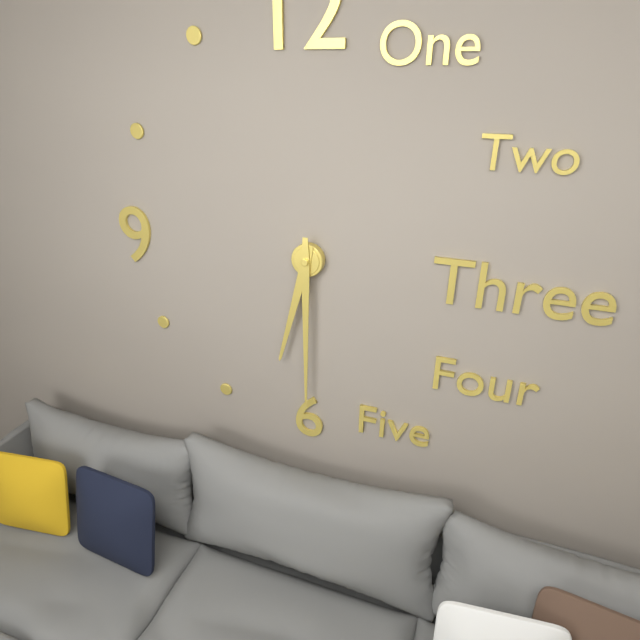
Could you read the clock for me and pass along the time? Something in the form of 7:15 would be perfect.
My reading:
6:30
